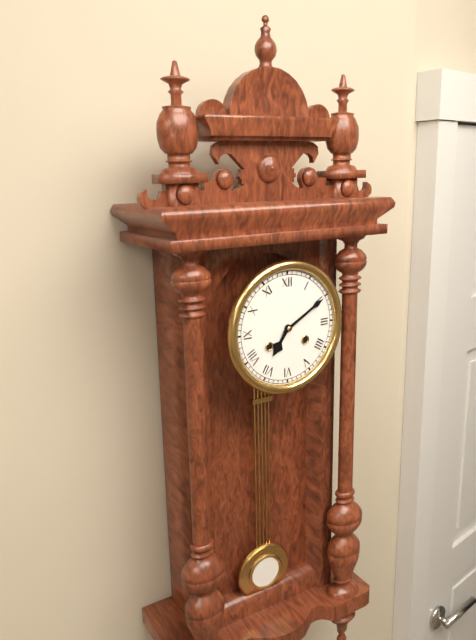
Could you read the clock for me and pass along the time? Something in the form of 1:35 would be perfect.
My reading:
7:10
